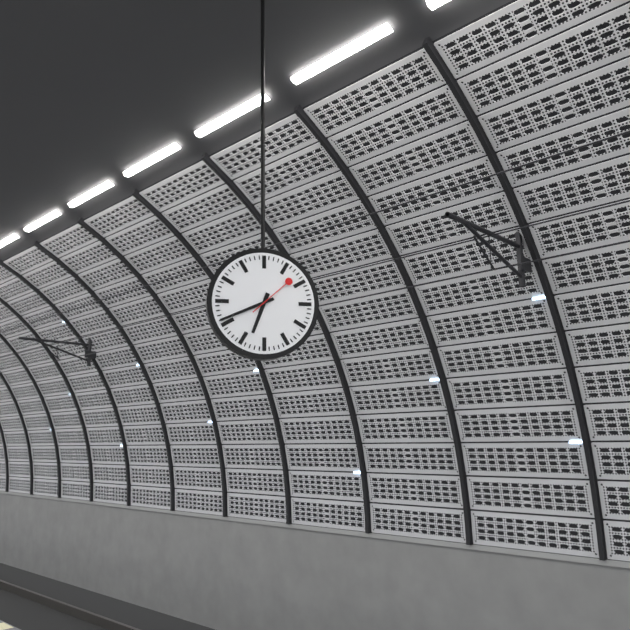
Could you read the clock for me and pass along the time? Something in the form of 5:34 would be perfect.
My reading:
6:41
